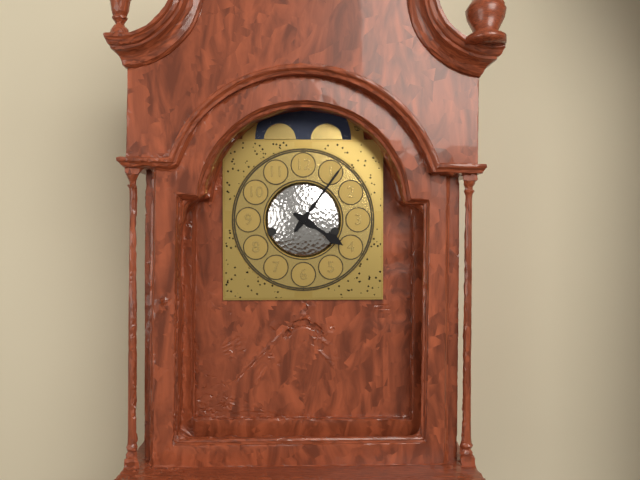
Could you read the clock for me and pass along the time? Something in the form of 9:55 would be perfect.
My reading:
4:06
